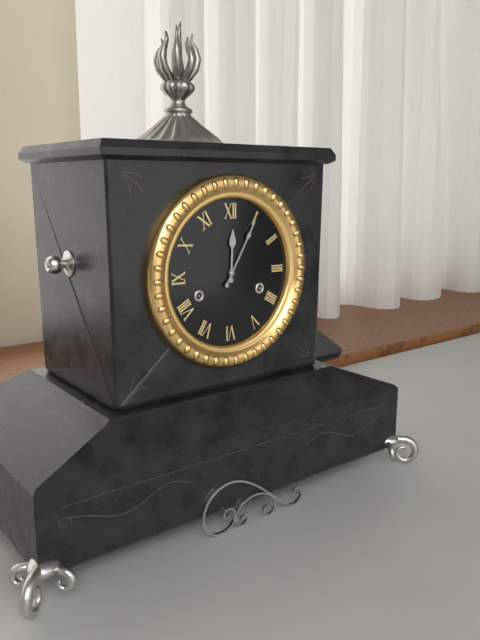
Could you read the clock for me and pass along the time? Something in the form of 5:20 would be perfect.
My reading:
12:05
